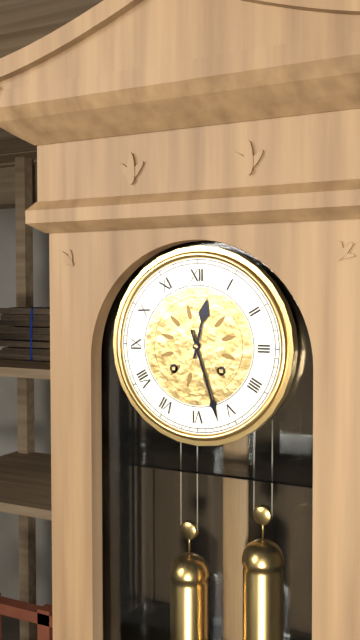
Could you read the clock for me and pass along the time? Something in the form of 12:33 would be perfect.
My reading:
12:27
